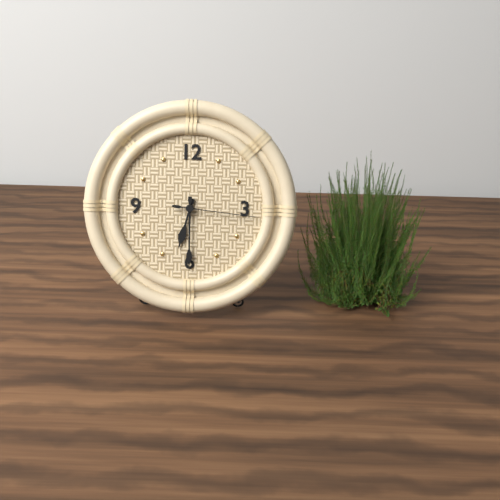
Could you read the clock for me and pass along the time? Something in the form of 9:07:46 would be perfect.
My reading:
6:30:16
